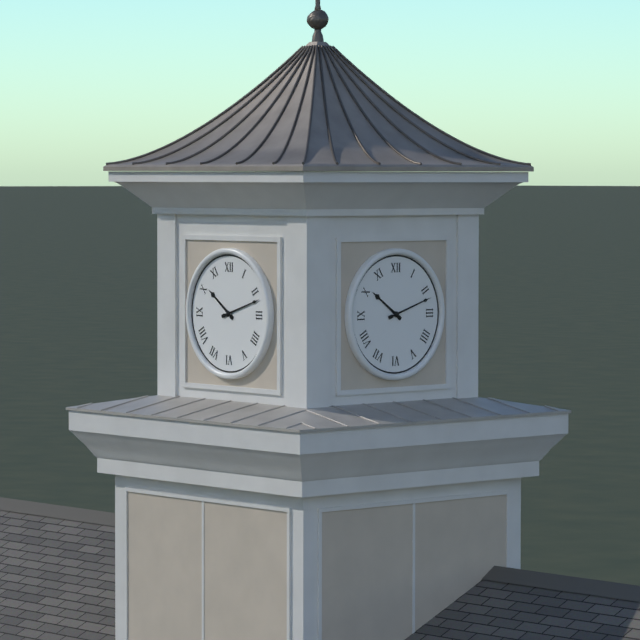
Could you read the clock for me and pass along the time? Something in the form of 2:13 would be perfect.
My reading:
10:12
